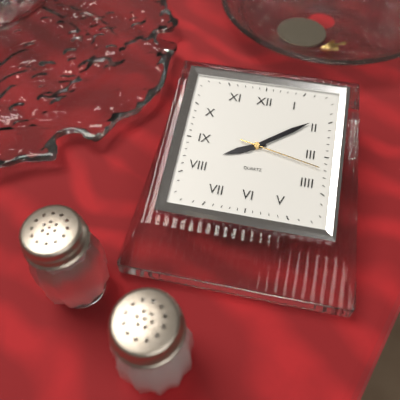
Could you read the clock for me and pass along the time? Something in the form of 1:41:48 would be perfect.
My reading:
8:09:17
